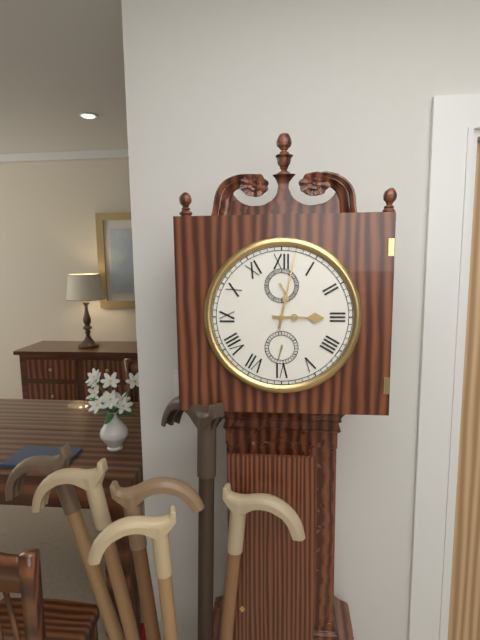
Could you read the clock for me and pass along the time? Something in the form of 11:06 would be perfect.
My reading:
3:02
